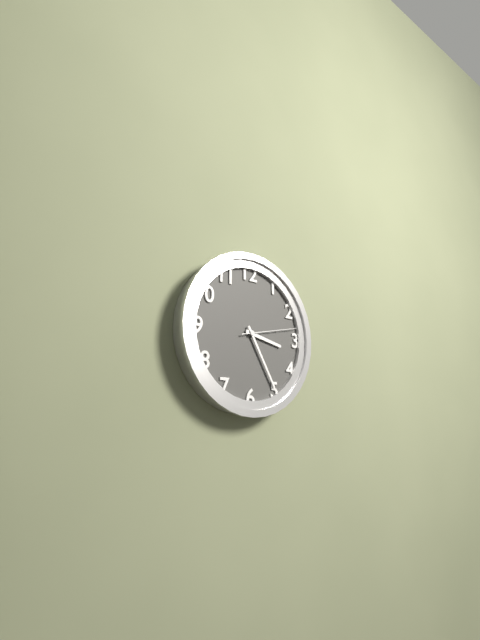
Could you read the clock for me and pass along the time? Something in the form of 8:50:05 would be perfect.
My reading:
3:25:13
